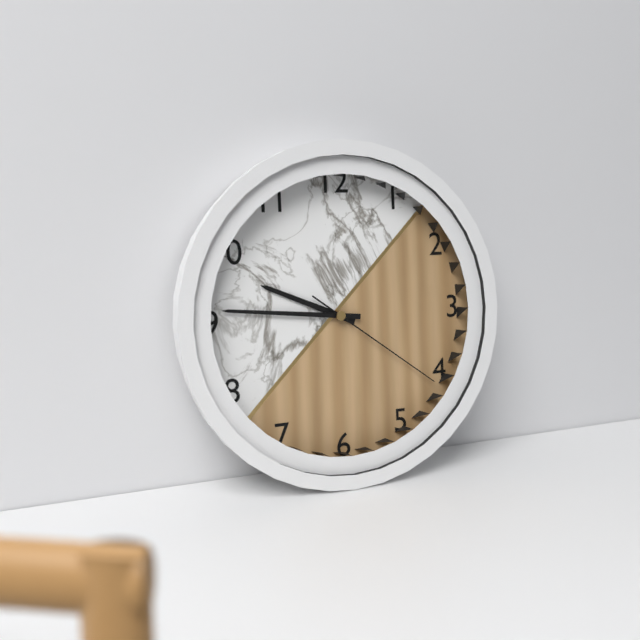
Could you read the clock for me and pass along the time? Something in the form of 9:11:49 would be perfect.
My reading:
9:46:21
